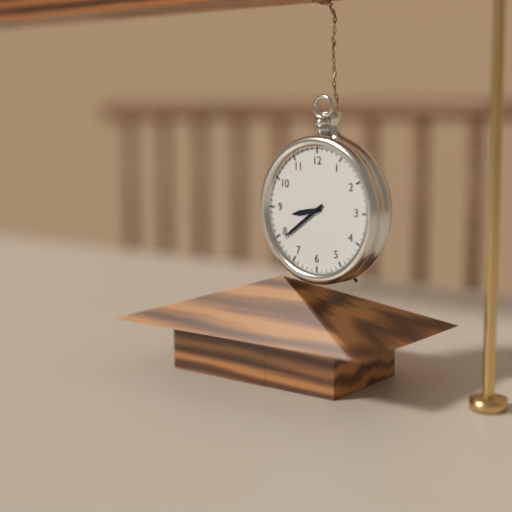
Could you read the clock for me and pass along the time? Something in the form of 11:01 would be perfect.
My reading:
8:39
